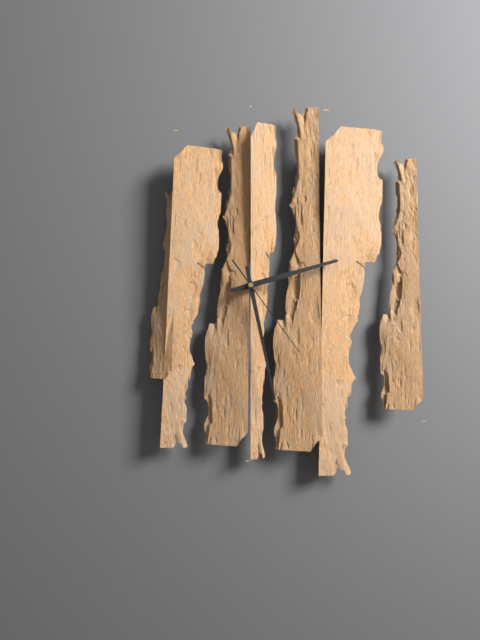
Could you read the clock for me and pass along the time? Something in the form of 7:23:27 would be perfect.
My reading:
2:28:24
